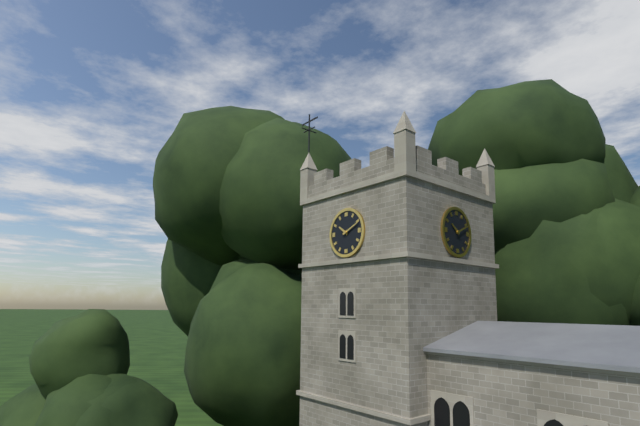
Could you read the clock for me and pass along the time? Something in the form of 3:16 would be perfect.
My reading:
10:11
